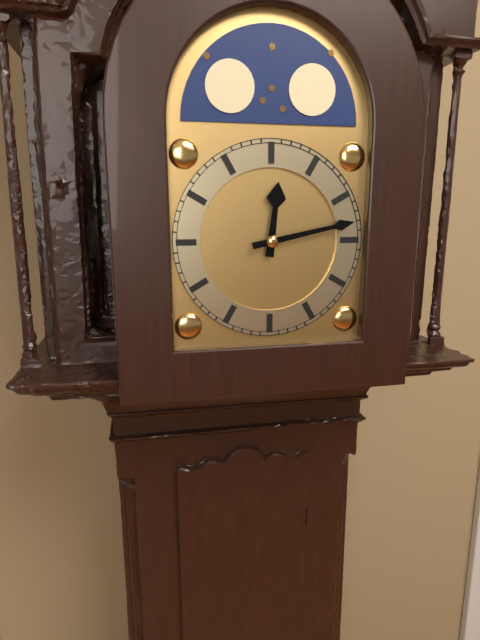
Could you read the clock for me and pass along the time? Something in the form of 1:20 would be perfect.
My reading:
12:13
